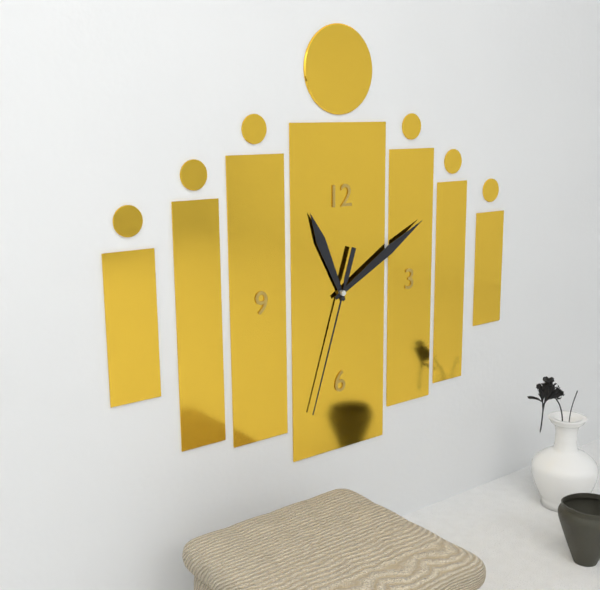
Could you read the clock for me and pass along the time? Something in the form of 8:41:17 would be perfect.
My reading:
11:10:33
